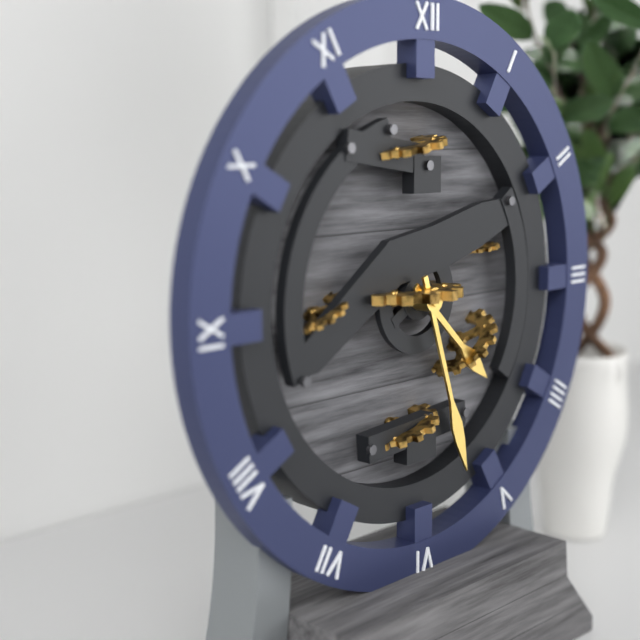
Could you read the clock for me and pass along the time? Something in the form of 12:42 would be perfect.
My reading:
4:27
